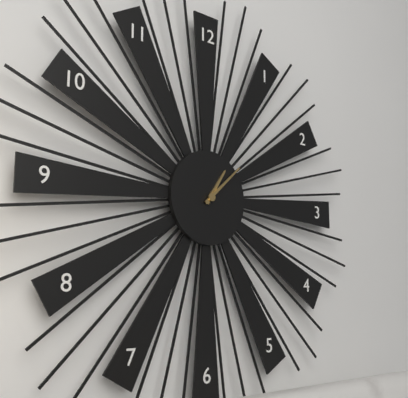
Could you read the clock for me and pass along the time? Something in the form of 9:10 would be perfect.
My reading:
1:08
